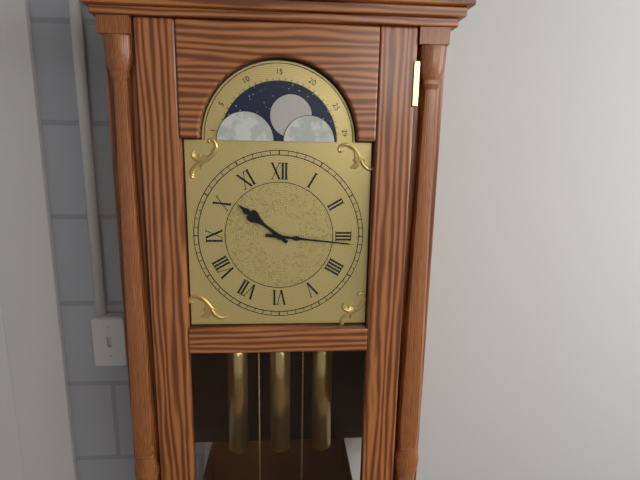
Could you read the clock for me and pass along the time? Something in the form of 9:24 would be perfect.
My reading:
10:16
